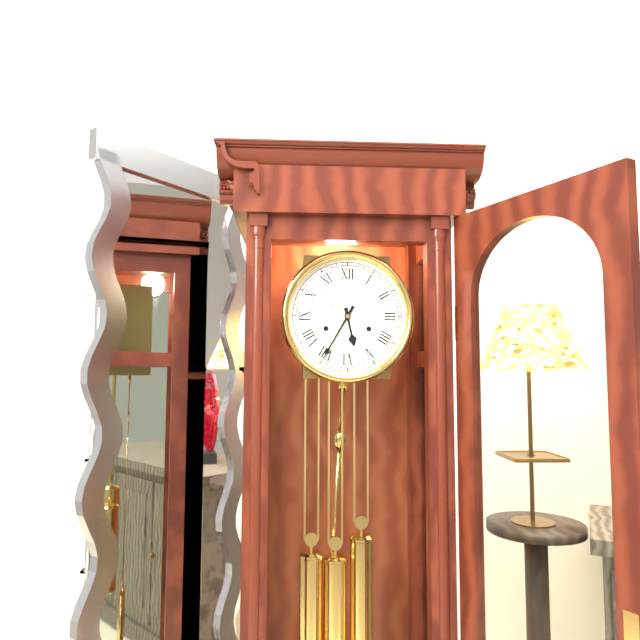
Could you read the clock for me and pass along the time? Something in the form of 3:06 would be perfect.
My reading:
5:35
